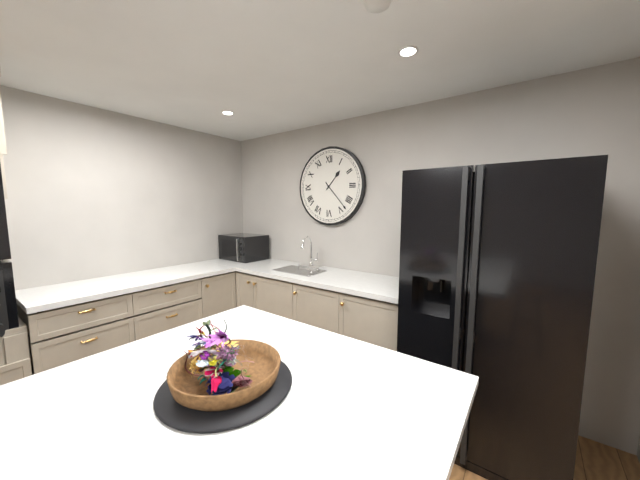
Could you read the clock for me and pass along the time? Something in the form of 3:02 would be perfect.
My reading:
1:23
